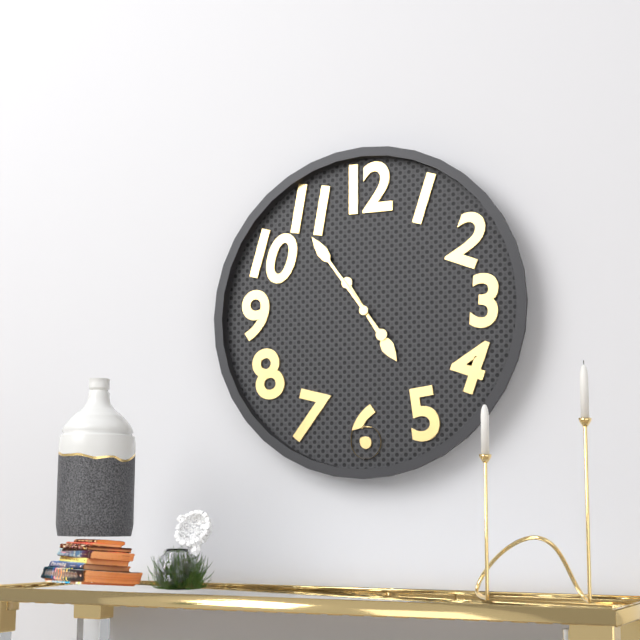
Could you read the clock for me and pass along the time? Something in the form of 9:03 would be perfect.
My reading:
4:54
